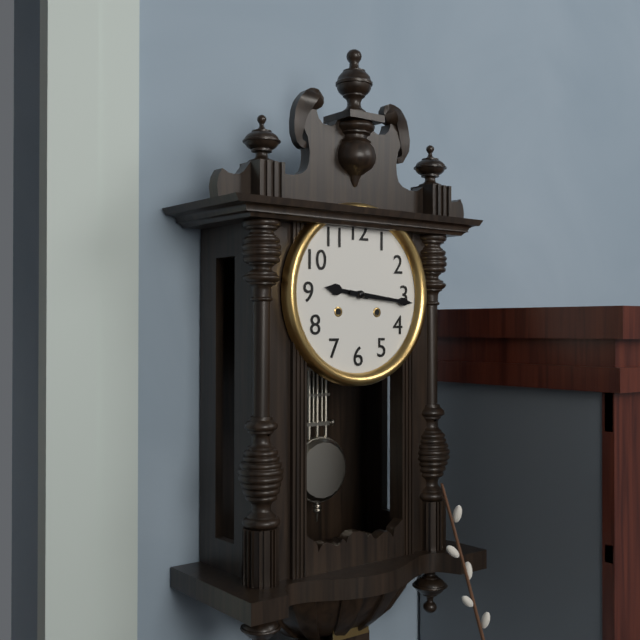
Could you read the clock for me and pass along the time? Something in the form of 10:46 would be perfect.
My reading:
9:16
